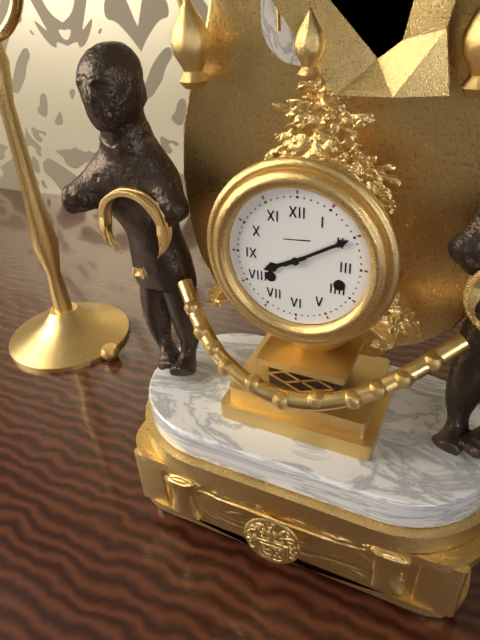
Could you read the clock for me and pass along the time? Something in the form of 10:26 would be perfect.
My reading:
8:10
